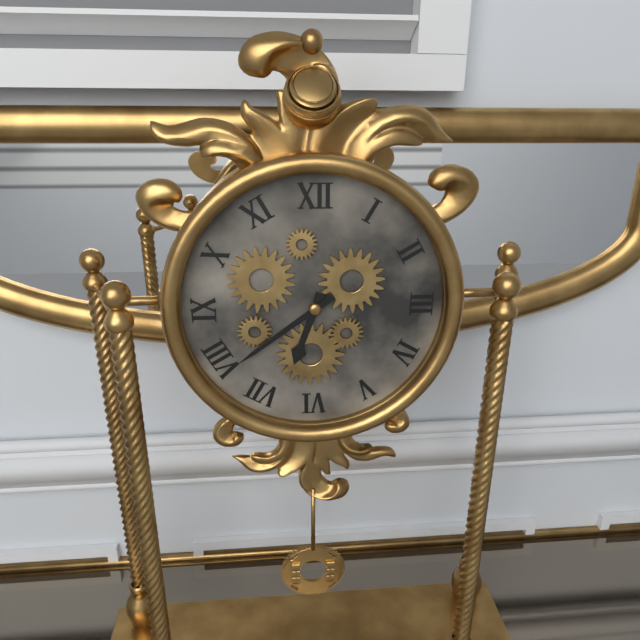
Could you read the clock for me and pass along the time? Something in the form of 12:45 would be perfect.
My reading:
6:39
